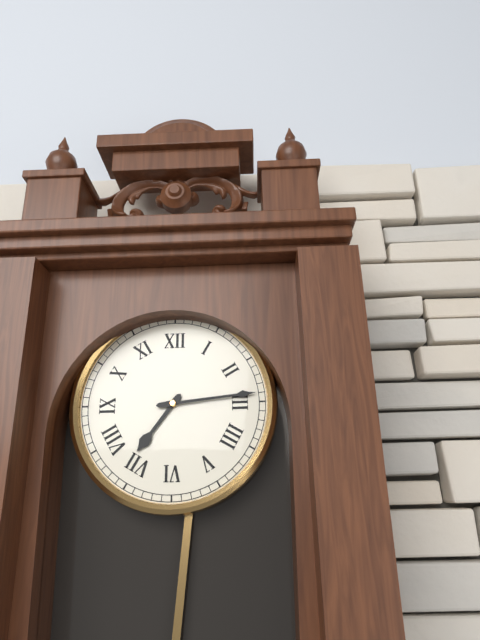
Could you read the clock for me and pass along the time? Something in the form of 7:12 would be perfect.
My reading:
7:14
